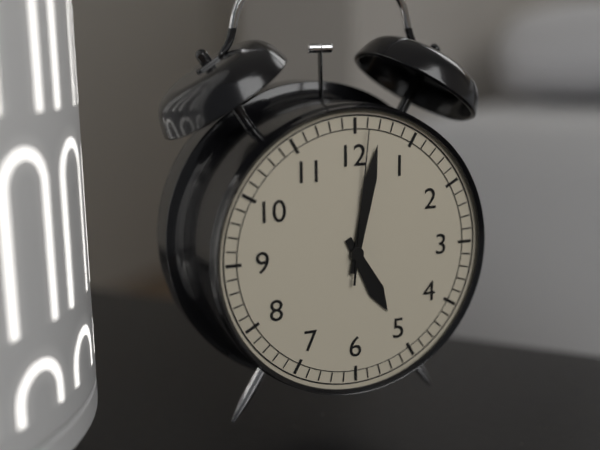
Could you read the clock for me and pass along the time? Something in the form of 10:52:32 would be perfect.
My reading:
5:02:01
